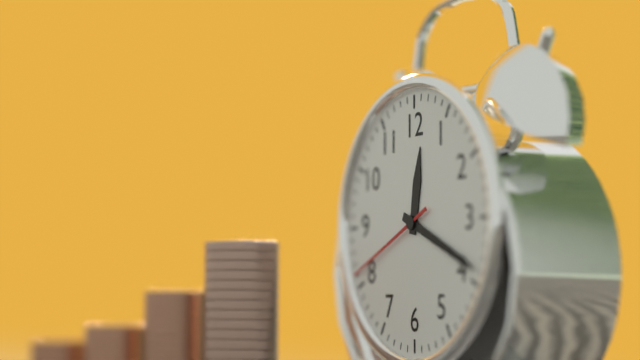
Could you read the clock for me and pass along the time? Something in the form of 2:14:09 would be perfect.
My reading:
12:19:41
